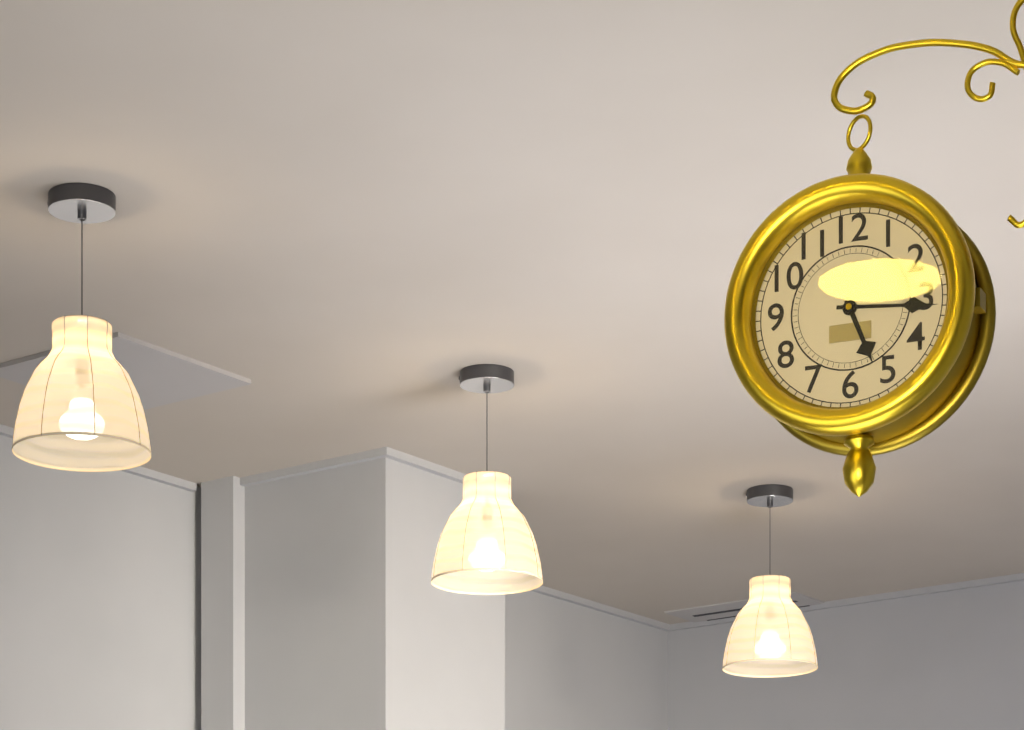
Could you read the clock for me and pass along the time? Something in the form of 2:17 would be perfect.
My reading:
5:16
